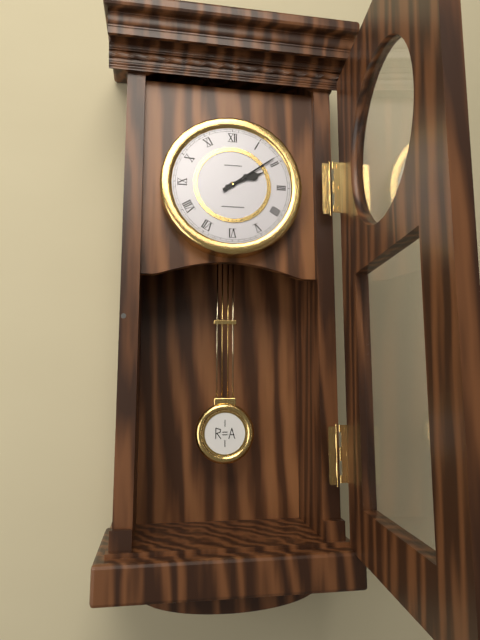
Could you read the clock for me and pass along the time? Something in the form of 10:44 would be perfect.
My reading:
2:09
